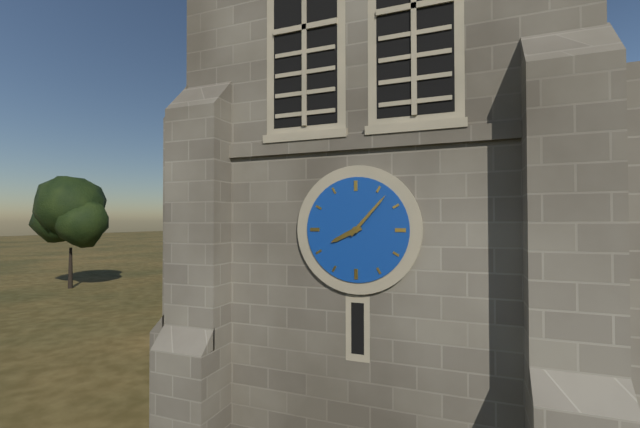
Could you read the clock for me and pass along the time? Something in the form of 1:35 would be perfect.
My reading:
8:07
